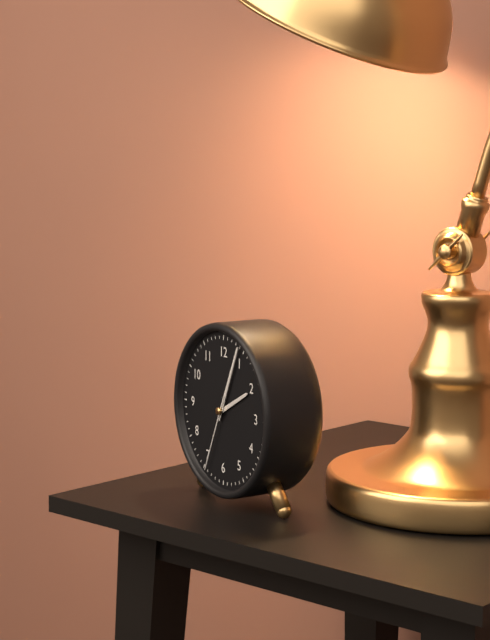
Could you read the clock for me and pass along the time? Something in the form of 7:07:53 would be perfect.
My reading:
2:04:34
